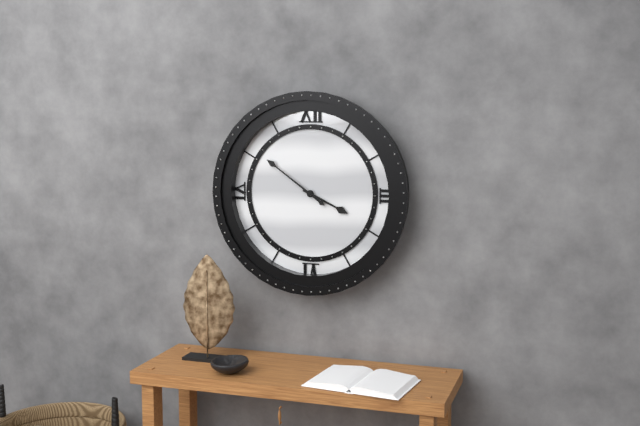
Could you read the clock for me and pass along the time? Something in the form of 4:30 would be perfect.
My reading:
3:51
